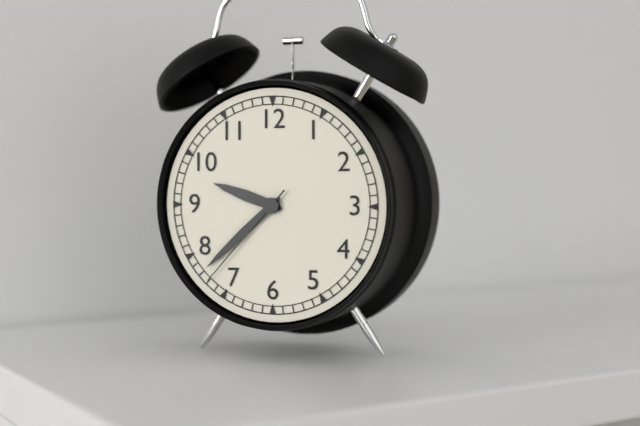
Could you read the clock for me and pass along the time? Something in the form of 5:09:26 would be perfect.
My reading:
9:38:37
